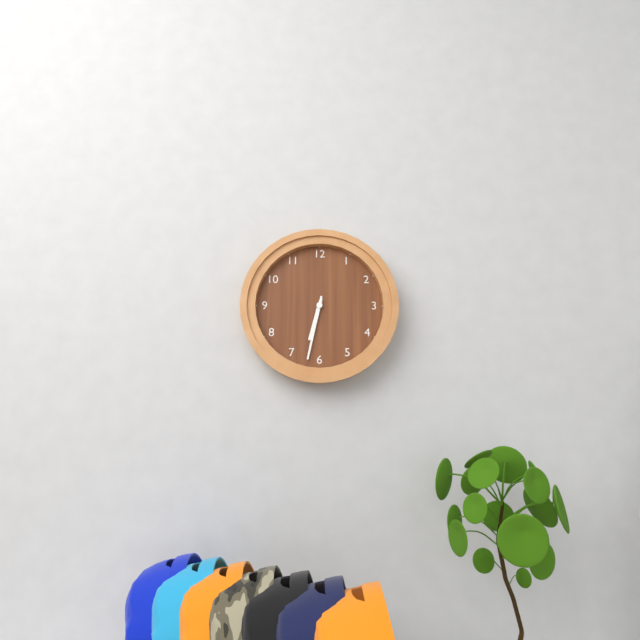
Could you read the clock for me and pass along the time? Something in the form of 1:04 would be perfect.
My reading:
6:32
